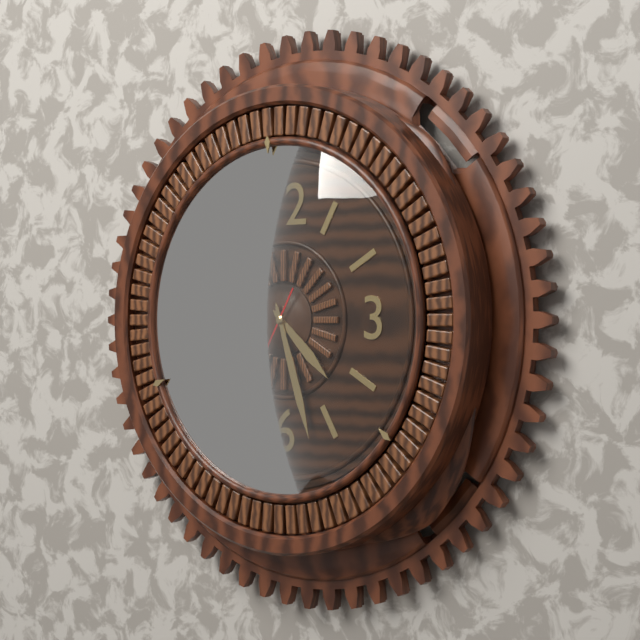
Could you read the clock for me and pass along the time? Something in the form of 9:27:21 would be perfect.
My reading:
4:27:35
